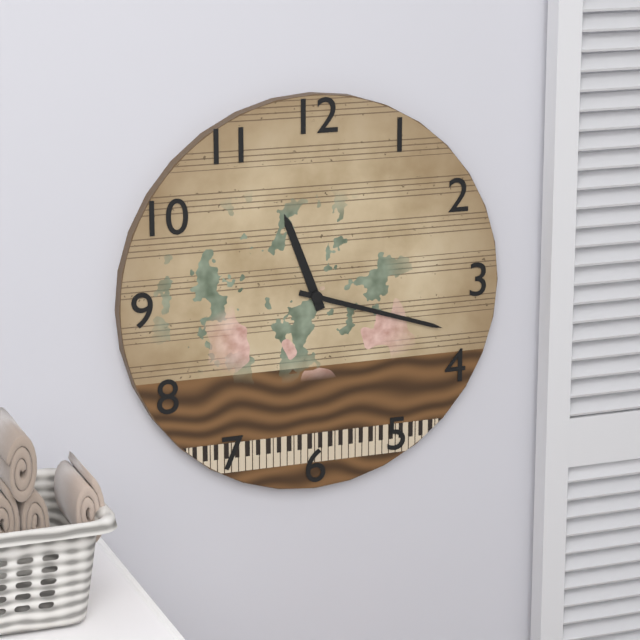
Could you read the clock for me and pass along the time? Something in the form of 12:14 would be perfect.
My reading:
11:18
